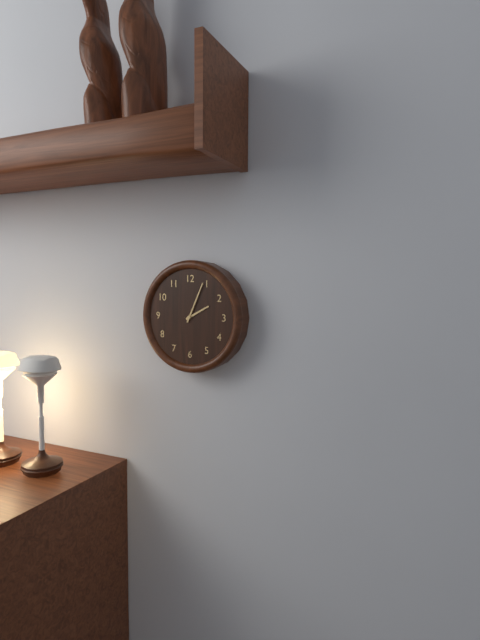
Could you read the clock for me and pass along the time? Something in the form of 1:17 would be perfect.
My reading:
2:04
